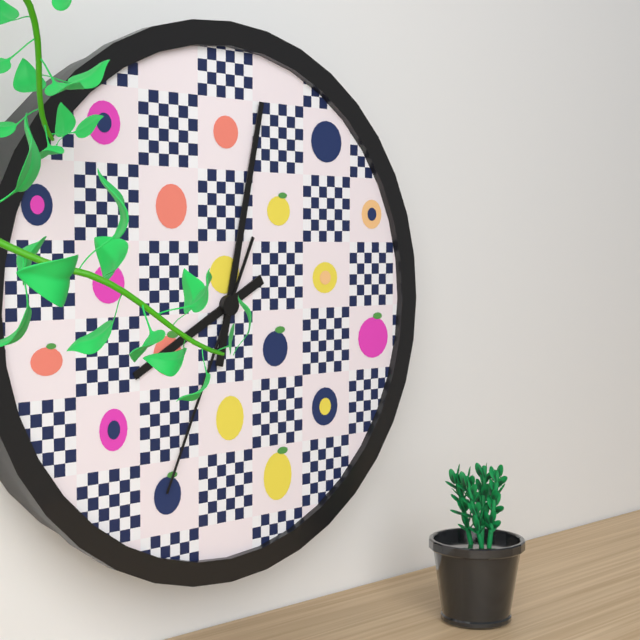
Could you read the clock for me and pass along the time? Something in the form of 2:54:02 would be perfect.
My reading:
8:02:34
